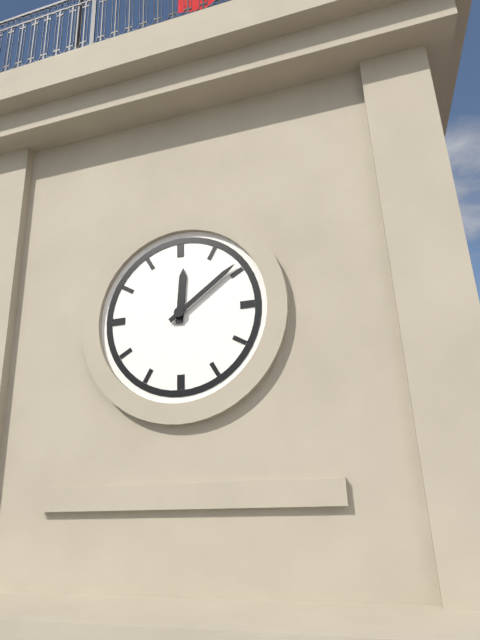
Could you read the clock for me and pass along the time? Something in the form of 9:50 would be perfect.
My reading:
12:09
